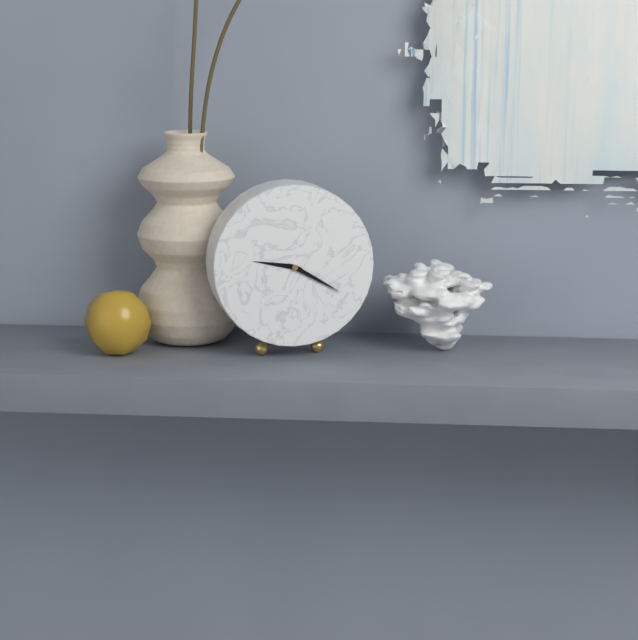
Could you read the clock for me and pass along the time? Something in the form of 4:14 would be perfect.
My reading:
9:20
